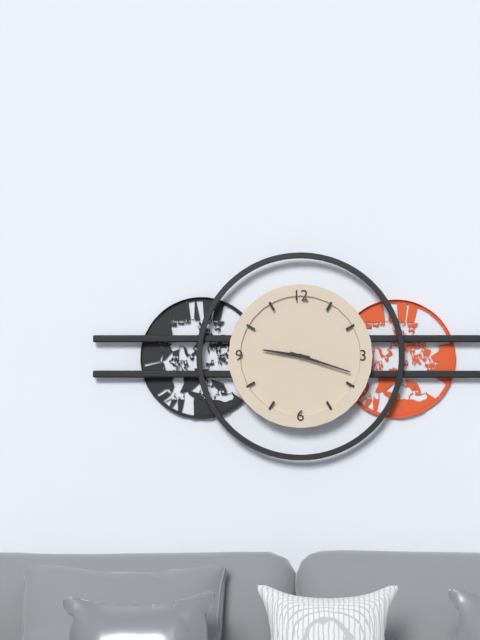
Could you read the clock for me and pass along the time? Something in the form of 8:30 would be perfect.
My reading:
9:18
